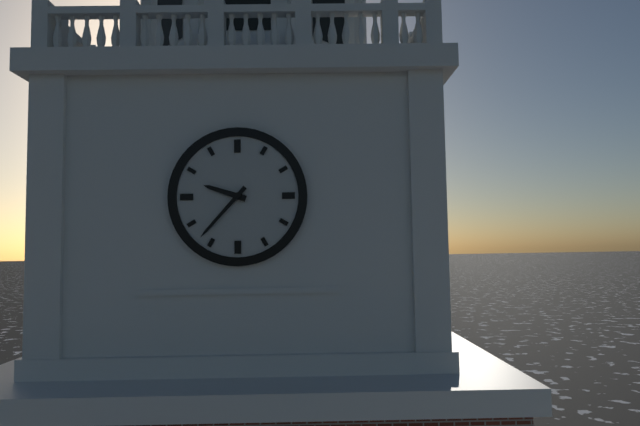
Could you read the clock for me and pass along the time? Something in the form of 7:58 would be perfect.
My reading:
9:37
